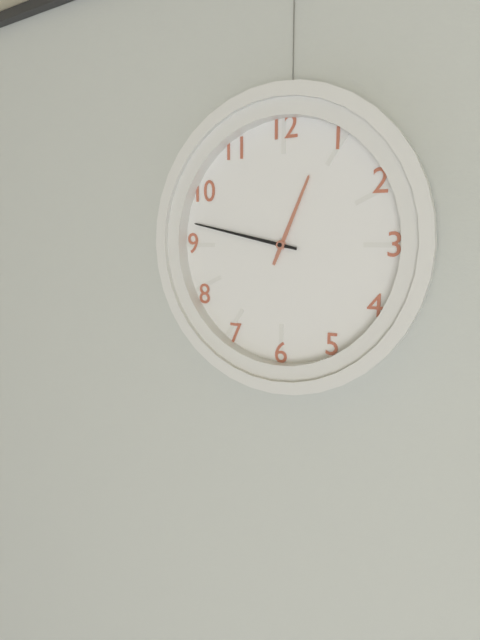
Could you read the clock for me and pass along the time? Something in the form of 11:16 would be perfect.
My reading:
12:47
